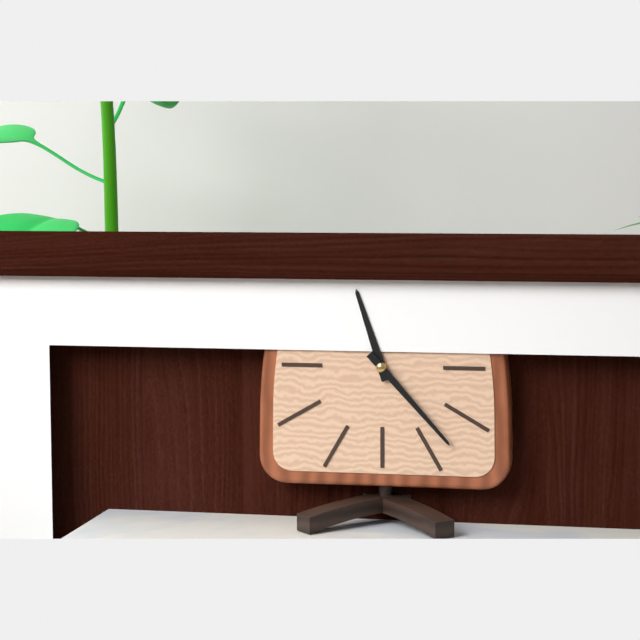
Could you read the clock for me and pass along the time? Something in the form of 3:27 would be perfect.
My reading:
11:23
